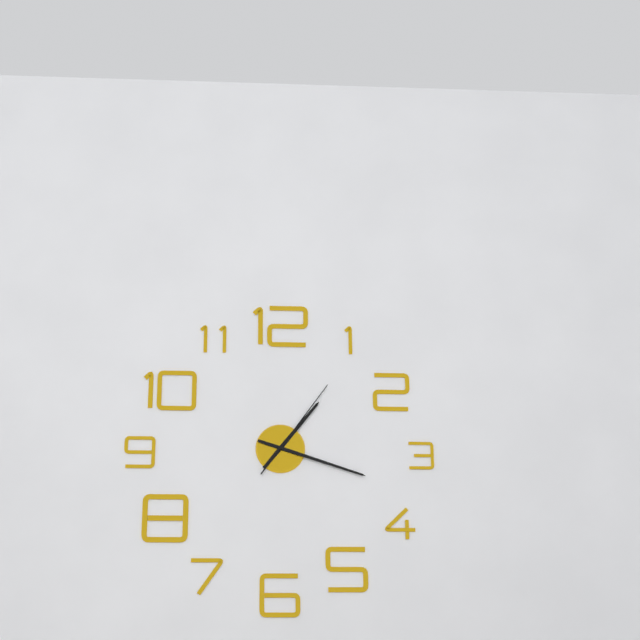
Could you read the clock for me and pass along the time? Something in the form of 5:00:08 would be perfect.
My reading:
1:18:06
